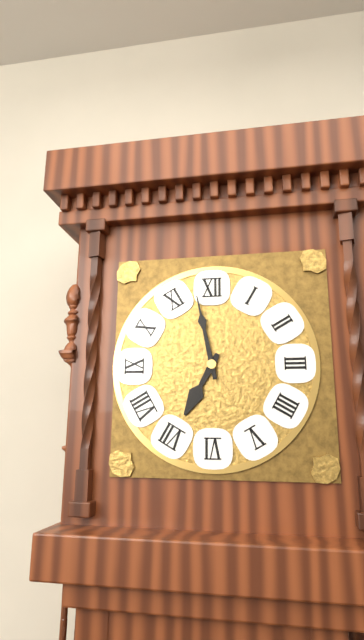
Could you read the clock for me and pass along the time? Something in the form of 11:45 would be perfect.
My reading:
6:58
